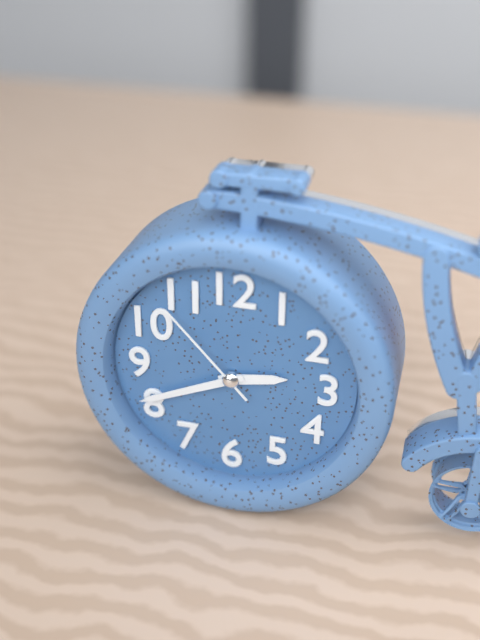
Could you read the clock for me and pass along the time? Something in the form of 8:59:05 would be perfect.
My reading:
2:41:53
